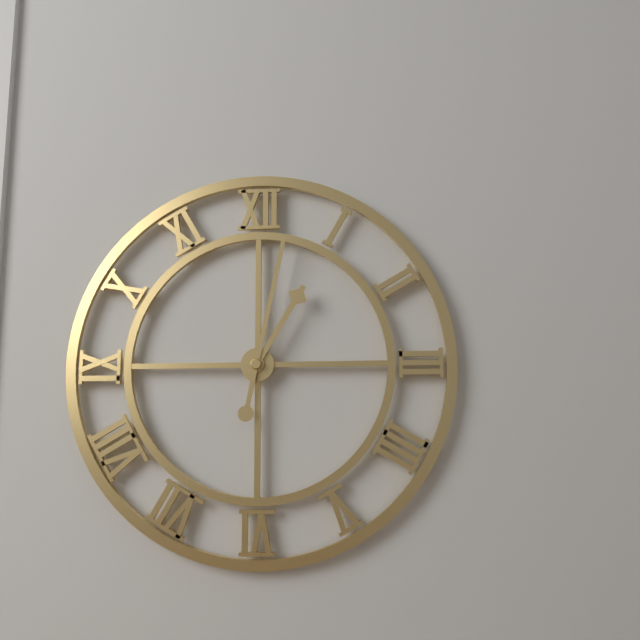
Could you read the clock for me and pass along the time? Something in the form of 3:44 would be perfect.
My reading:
1:02
